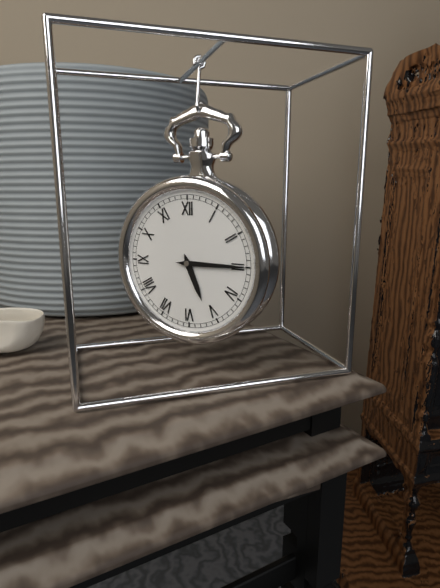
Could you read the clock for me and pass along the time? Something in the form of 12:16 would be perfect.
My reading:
5:15
